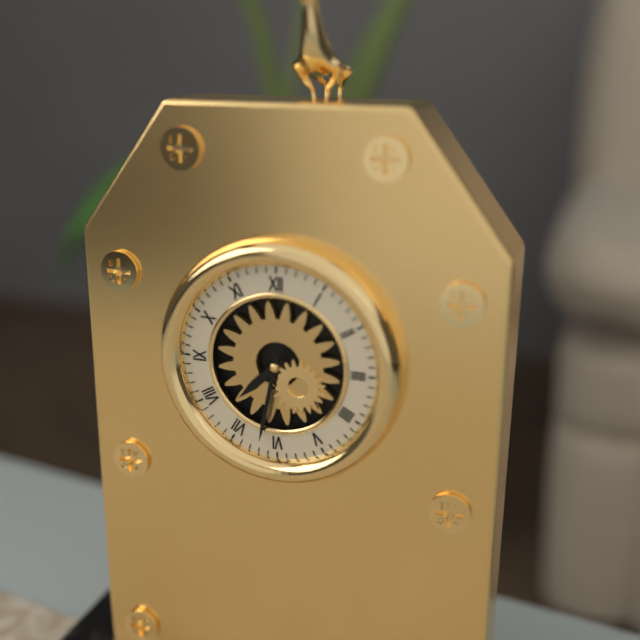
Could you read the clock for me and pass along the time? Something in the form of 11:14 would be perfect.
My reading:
7:32
